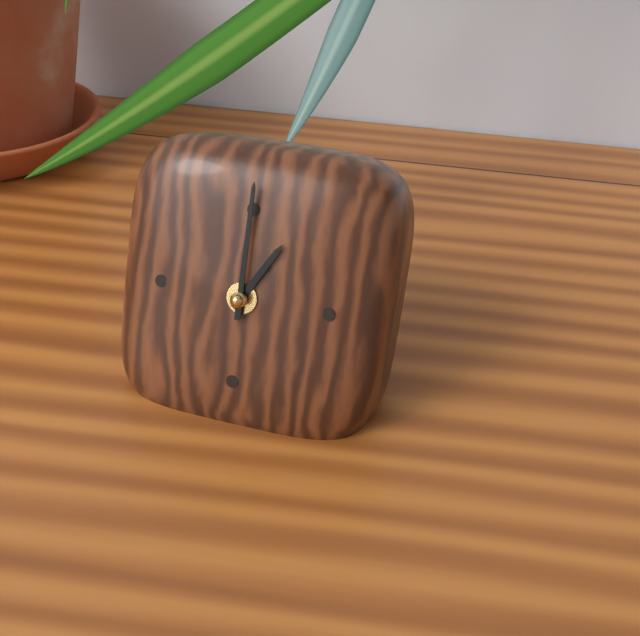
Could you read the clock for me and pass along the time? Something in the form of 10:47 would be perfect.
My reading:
1:00
